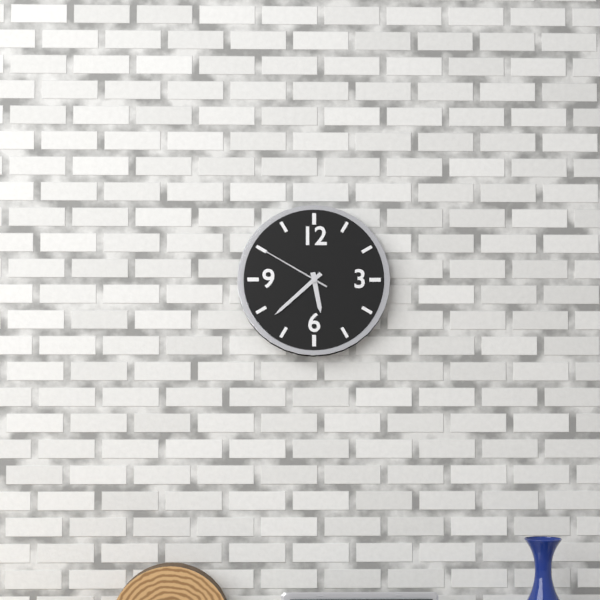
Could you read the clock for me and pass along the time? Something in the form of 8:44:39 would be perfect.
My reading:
5:38:50
